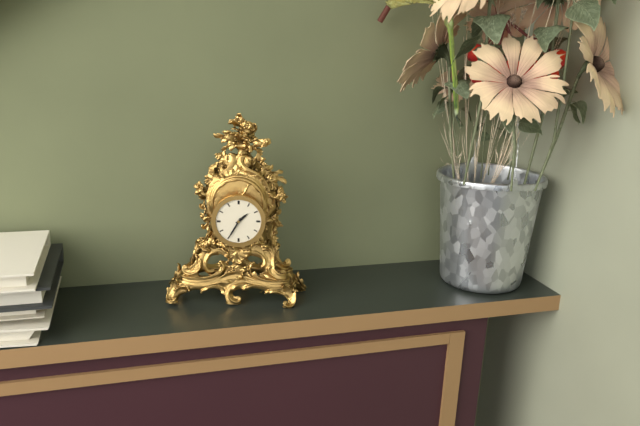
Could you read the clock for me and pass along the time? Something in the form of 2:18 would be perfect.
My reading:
1:35
